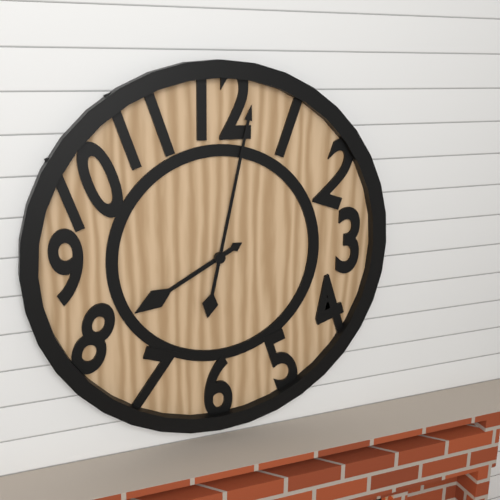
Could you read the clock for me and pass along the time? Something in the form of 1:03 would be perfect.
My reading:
8:02
